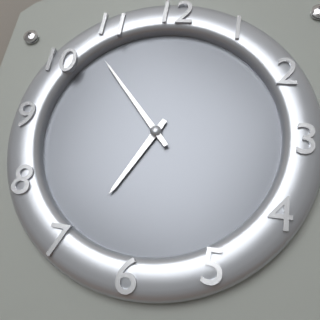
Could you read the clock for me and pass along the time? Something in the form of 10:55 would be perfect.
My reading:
6:53
